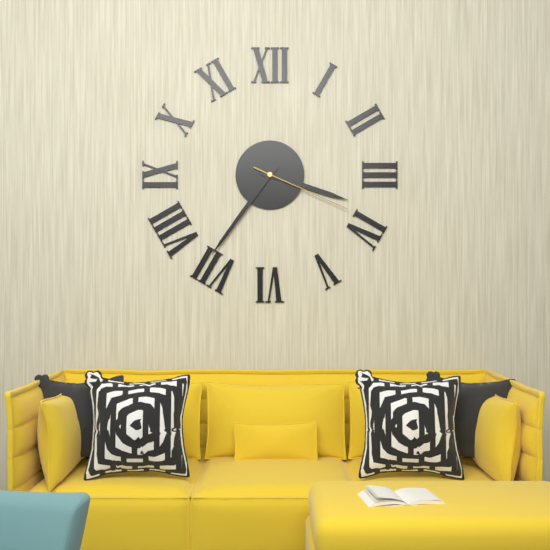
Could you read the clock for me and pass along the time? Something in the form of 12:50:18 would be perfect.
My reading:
3:36:19
